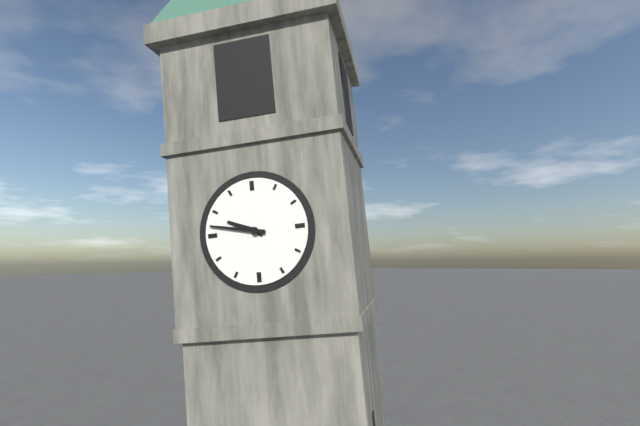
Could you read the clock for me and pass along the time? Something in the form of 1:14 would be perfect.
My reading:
9:47
